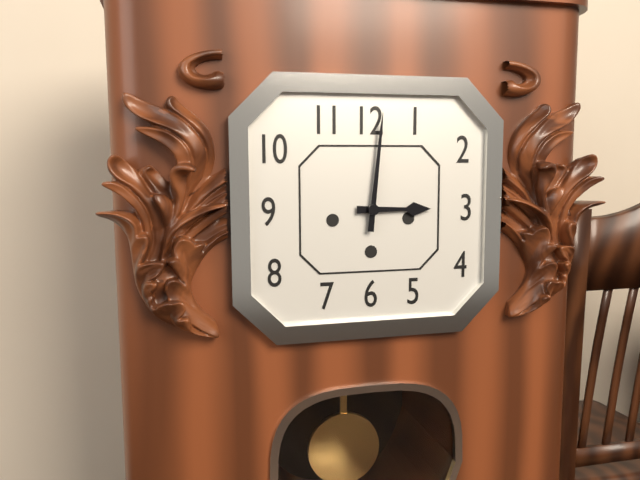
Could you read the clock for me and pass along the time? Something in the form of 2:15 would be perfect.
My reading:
3:01
